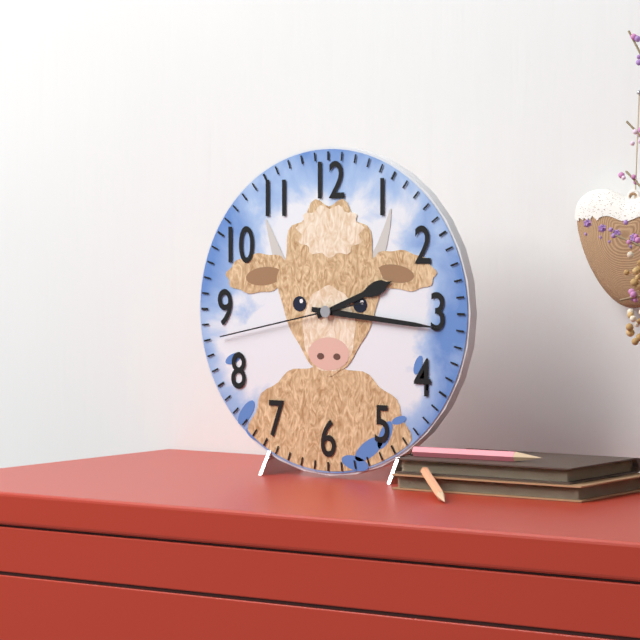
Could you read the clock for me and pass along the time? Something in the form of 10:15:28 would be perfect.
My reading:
2:16:43
